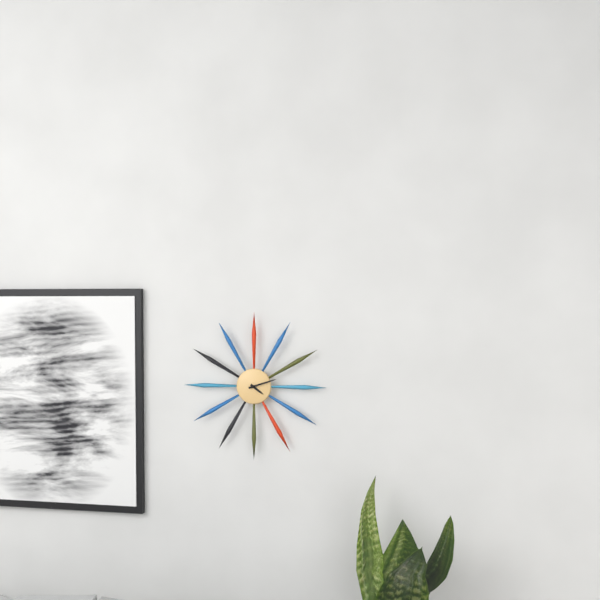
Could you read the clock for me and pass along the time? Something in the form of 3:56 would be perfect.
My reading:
4:12
